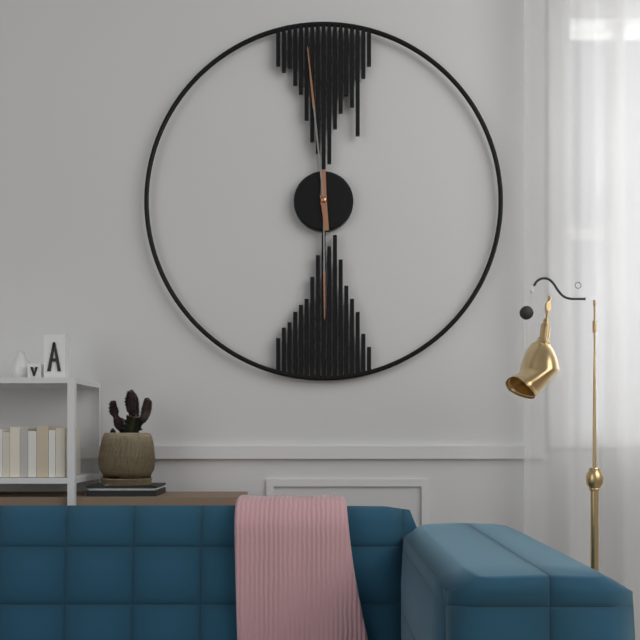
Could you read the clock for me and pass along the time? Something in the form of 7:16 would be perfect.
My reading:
5:59
